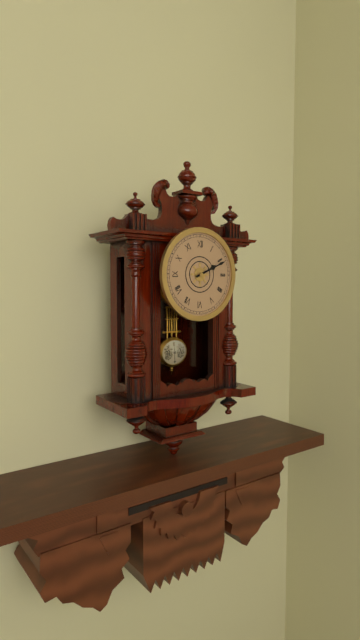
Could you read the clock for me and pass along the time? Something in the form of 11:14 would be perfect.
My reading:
2:11
